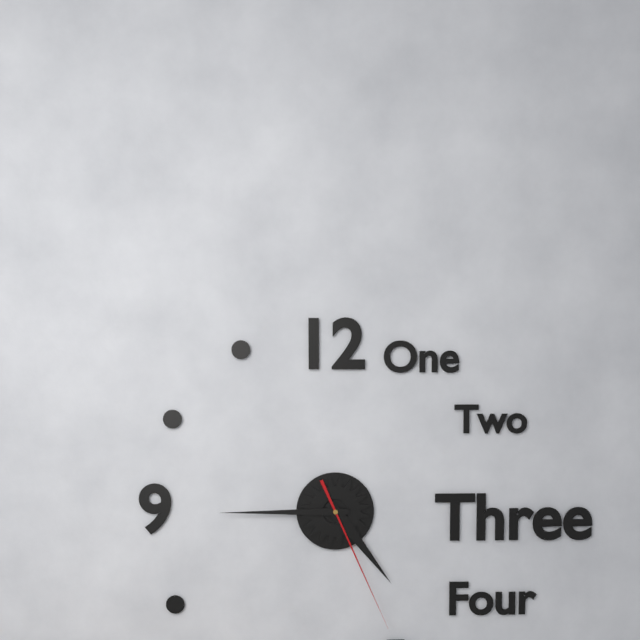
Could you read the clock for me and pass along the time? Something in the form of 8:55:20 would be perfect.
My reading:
4:45:26
